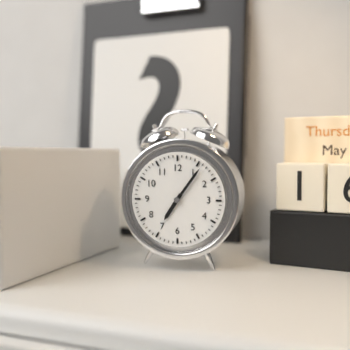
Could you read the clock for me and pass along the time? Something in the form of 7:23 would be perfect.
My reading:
7:06
